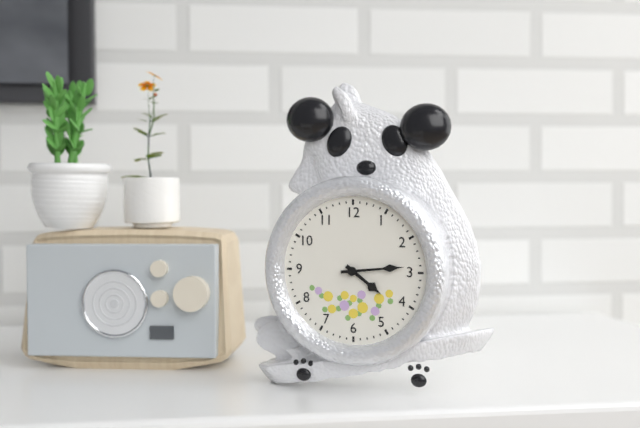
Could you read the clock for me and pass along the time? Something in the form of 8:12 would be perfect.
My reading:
4:14
